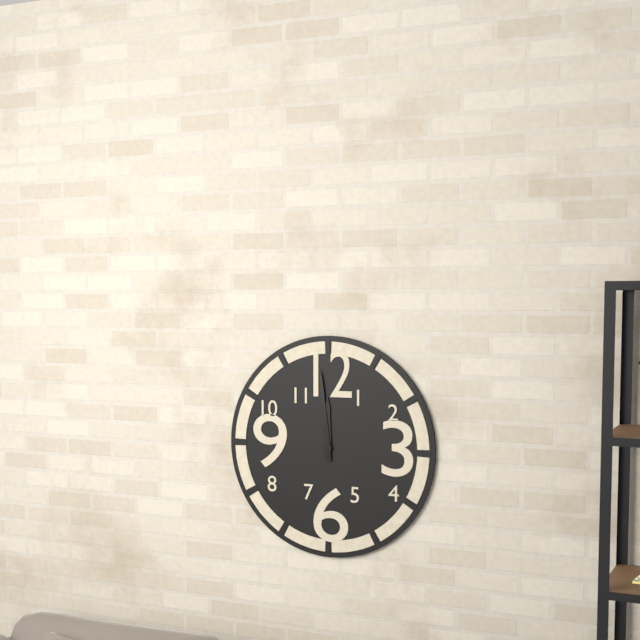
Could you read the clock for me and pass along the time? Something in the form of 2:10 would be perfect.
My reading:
11:59
